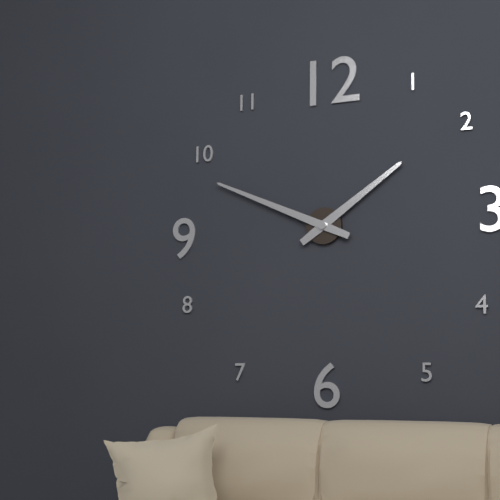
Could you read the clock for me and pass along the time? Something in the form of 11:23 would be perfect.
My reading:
1:49
